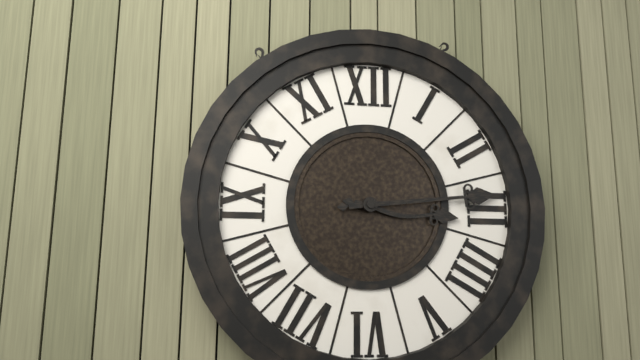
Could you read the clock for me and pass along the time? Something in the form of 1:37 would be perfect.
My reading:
3:14
